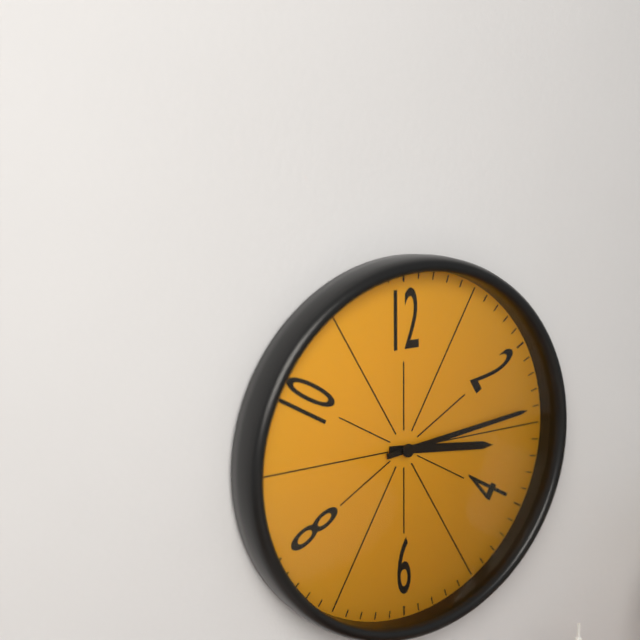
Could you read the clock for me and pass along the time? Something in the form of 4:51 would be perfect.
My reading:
3:14
